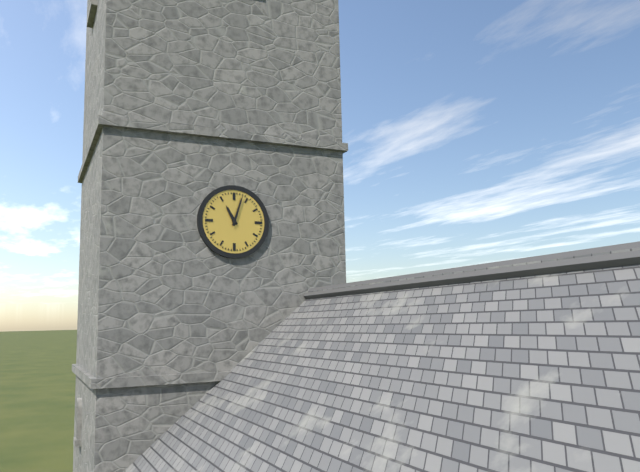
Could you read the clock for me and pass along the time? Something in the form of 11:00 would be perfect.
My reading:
11:03
